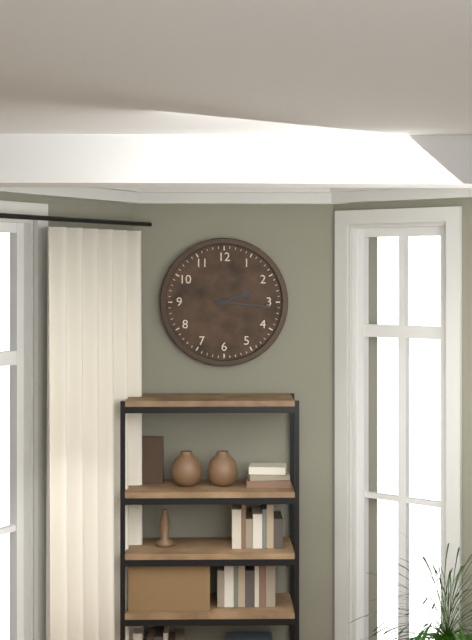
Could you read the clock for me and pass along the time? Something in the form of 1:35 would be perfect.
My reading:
2:16
